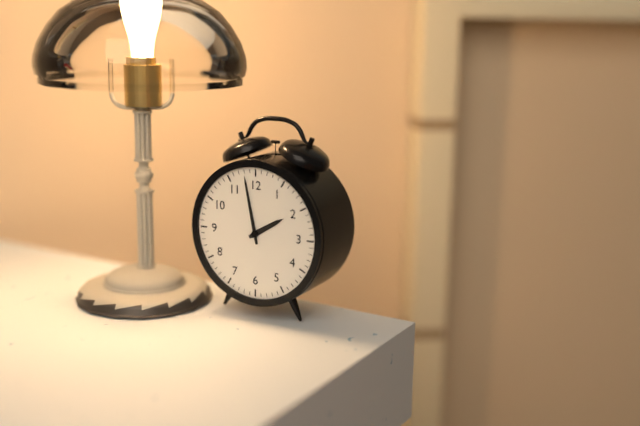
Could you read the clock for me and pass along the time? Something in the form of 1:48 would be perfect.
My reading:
1:58
